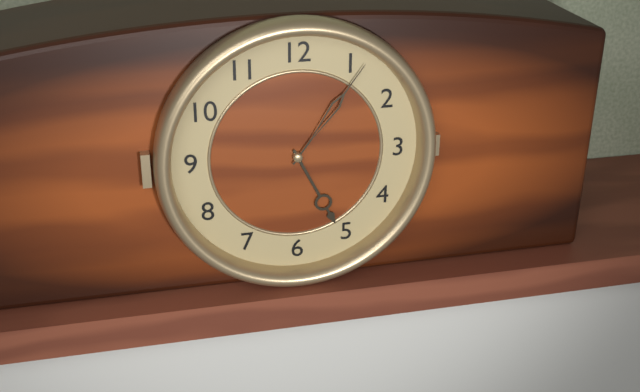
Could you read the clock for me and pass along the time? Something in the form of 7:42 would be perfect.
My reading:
5:06
